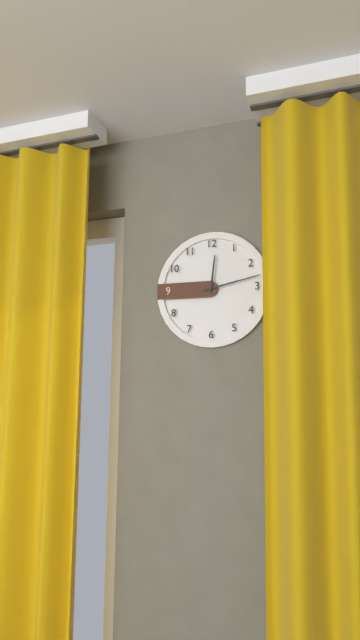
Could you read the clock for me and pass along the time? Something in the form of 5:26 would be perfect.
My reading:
12:13
